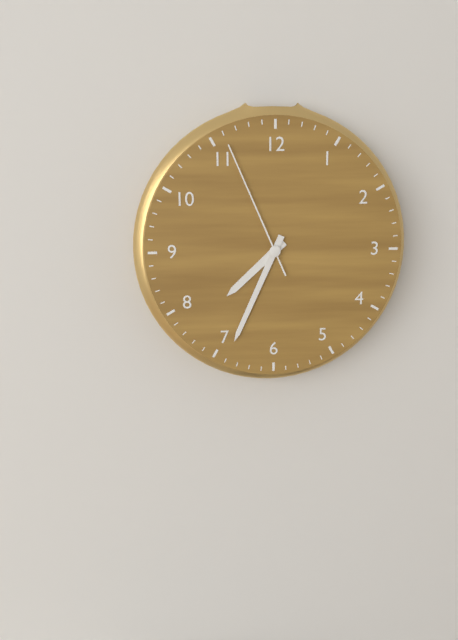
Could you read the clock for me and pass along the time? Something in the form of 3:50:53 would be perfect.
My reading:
7:34:56
